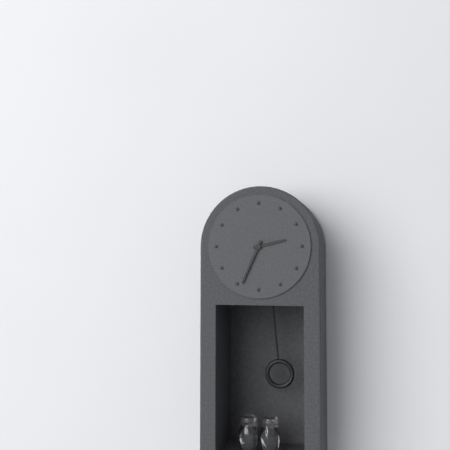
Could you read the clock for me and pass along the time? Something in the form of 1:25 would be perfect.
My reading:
2:34
